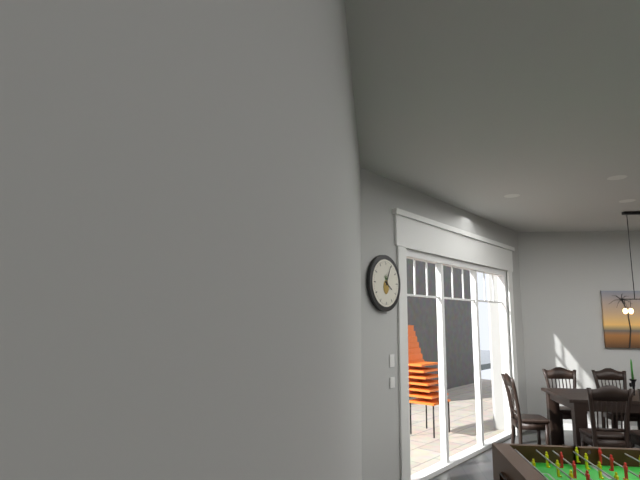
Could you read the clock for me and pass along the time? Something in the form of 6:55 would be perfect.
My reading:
4:04
